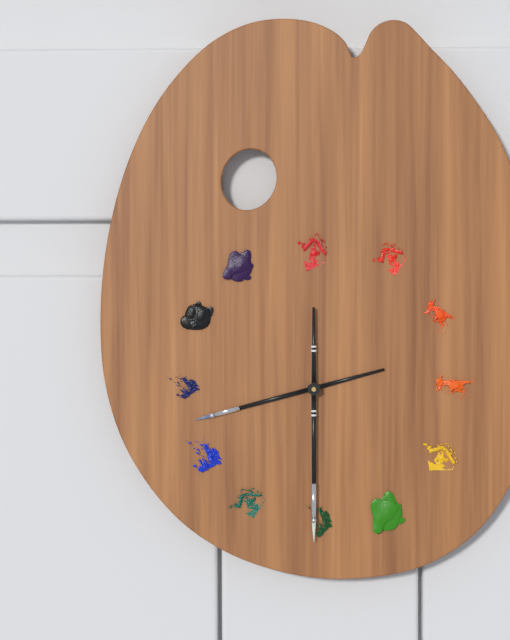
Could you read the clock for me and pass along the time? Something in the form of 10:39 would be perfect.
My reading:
8:30
